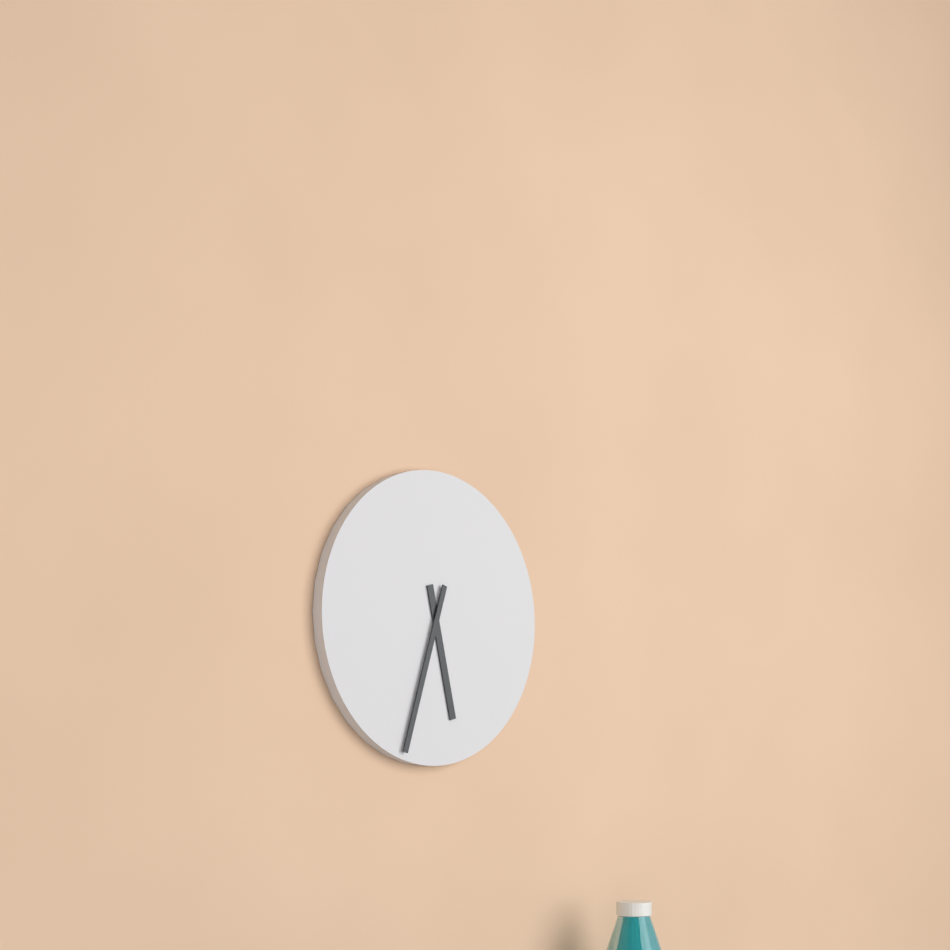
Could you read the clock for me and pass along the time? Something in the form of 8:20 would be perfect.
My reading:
5:33
